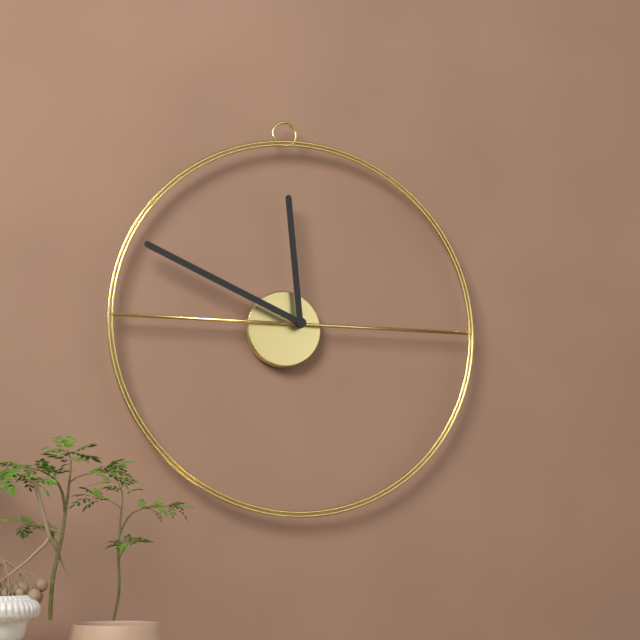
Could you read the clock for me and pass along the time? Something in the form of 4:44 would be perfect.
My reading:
11:49
